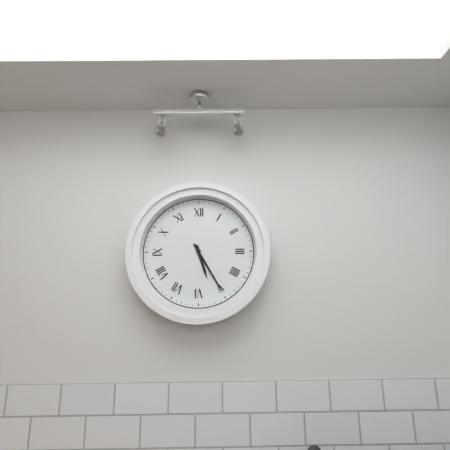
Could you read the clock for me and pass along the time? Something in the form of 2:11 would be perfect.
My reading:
5:25
